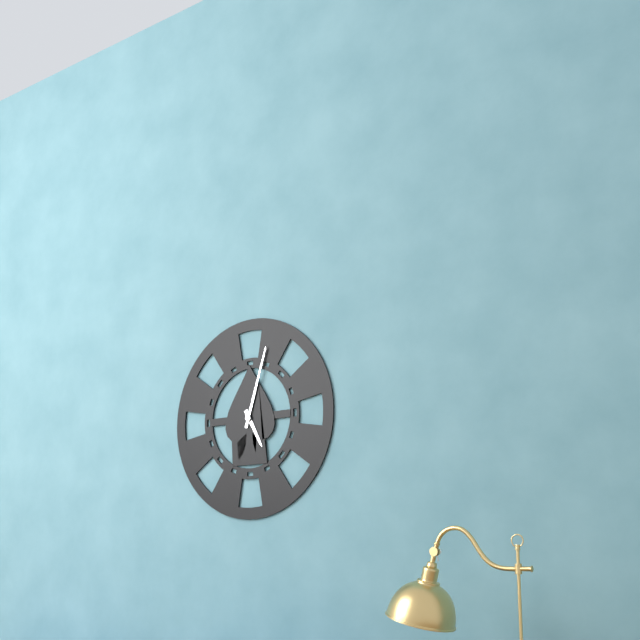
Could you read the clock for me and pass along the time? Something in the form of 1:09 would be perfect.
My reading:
5:03
